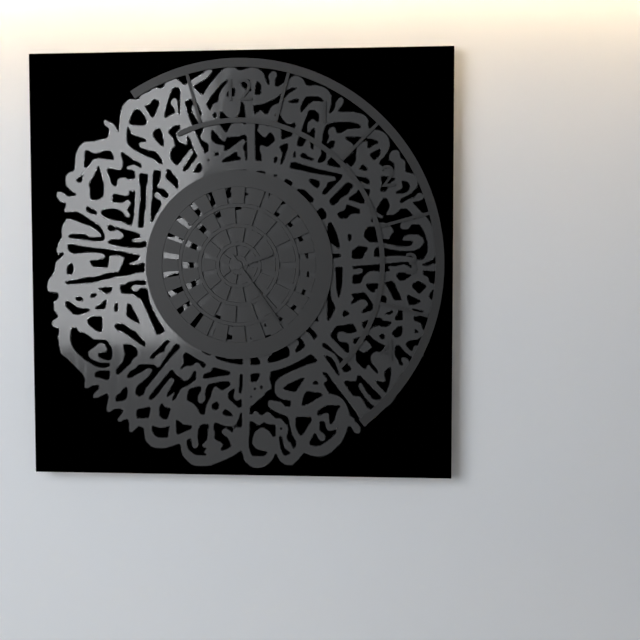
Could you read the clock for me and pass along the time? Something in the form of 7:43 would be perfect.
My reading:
2:24
